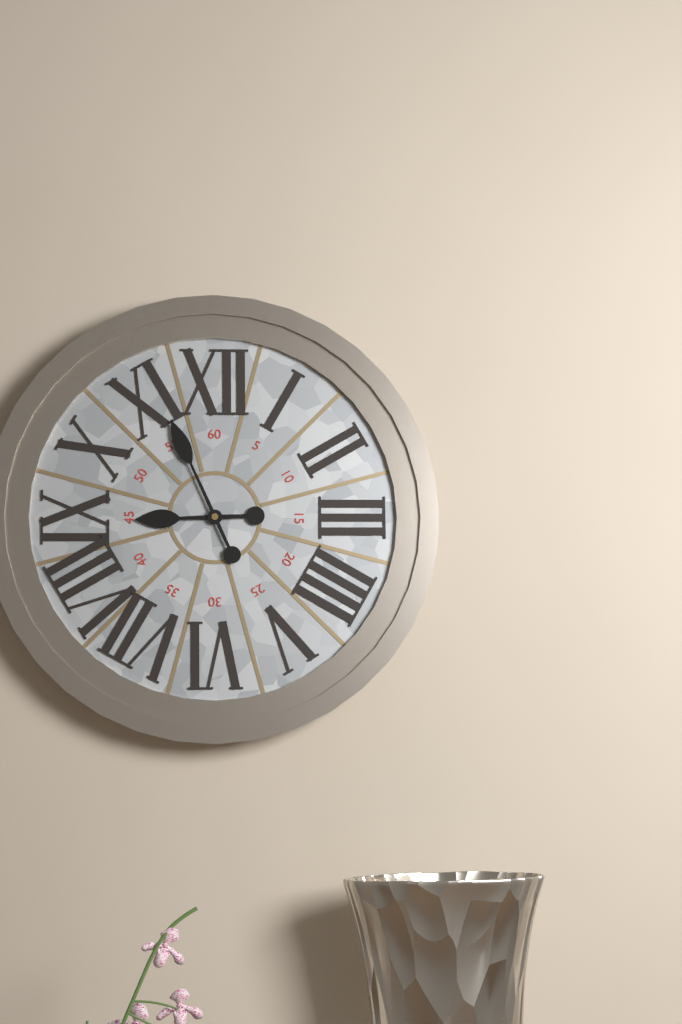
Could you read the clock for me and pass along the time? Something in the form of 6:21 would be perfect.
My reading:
8:56
